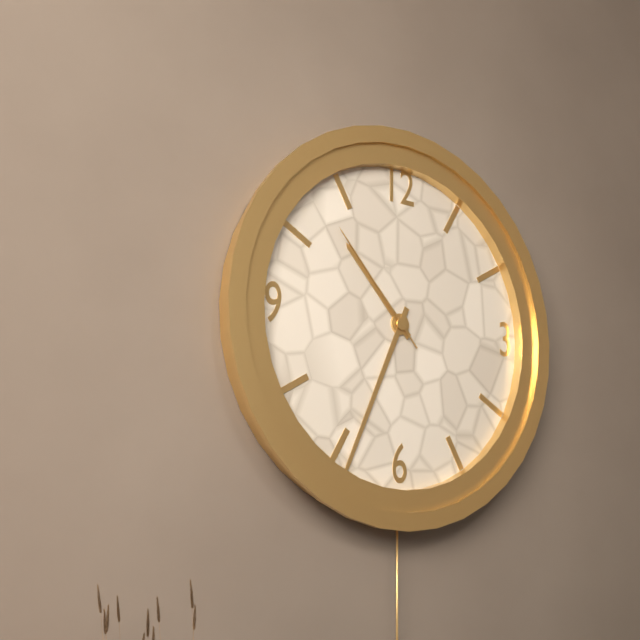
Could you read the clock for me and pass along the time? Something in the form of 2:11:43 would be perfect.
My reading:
10:34:53
